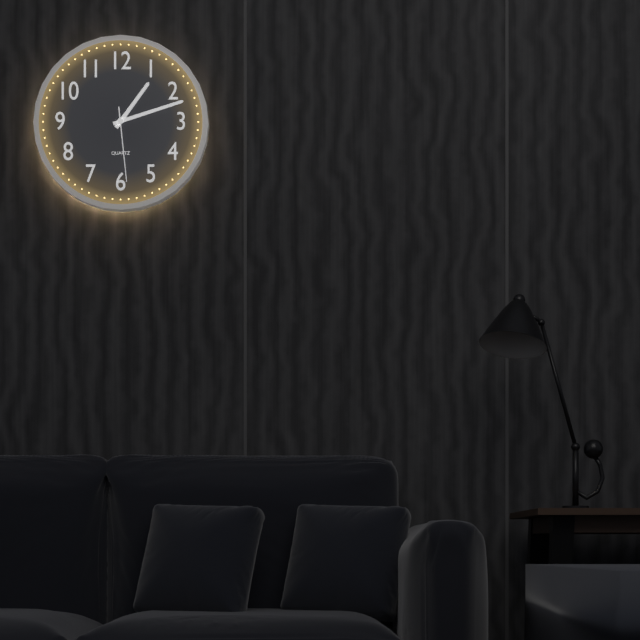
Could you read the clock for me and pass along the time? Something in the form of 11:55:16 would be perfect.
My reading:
1:12:29
